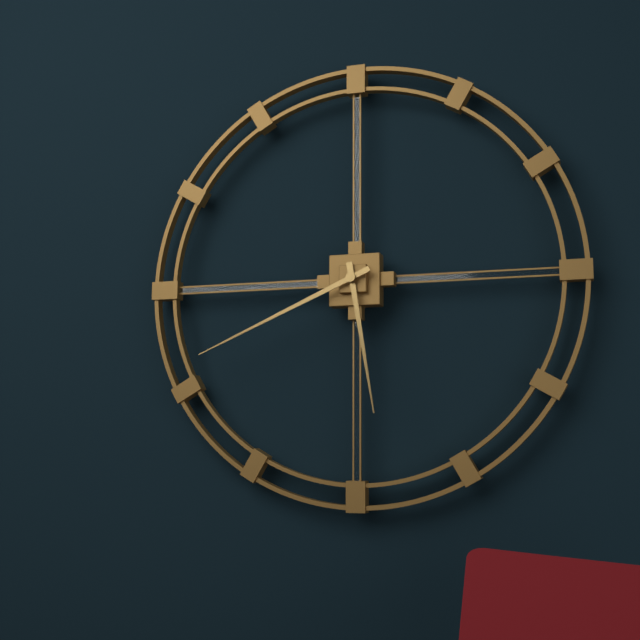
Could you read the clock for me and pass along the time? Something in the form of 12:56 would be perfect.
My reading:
5:41
